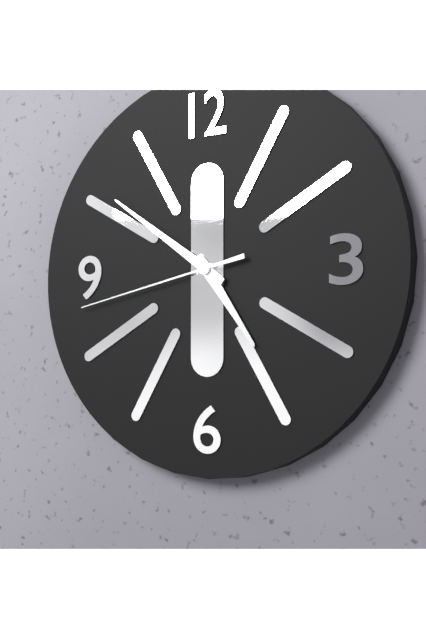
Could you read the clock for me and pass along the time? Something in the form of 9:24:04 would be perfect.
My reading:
4:51:43
